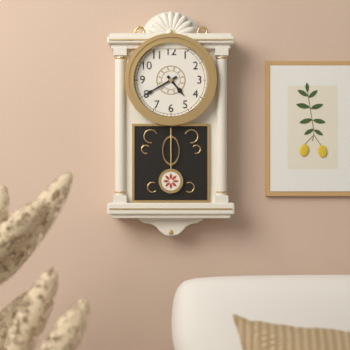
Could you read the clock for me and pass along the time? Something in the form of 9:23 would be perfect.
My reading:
4:40
